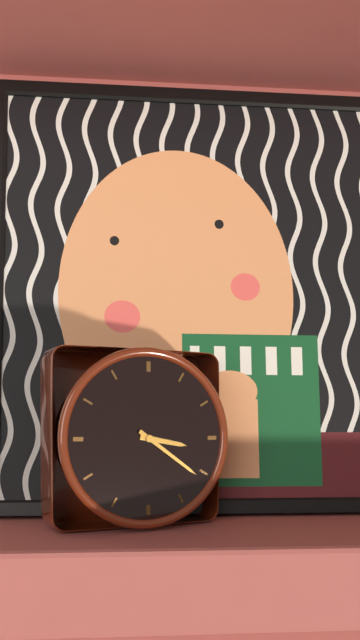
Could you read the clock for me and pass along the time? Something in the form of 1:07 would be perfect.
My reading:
3:21
